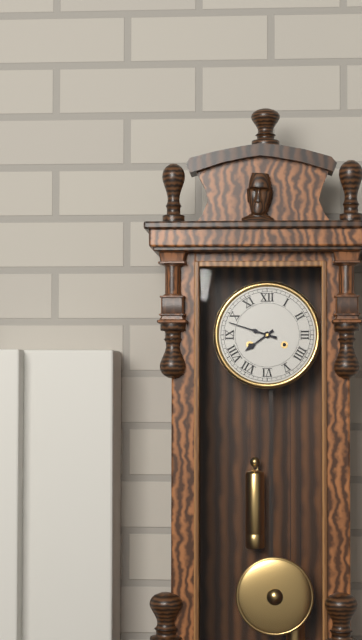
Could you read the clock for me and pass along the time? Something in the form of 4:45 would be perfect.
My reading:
7:48
